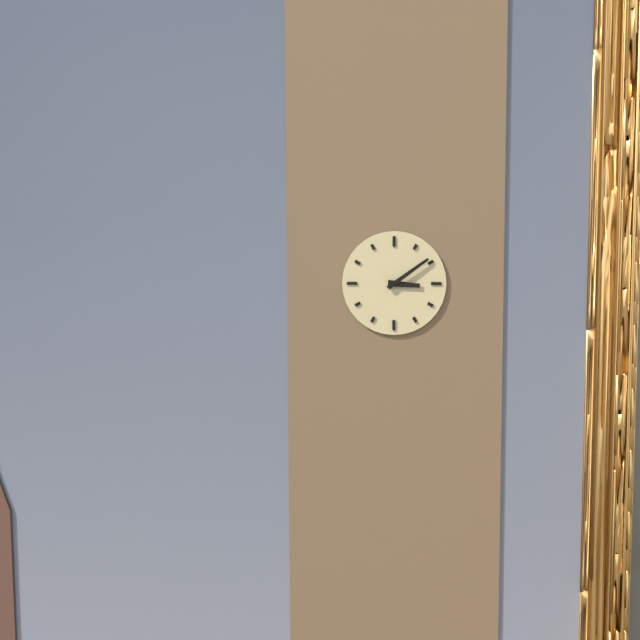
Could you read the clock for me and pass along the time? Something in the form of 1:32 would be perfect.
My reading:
3:09
